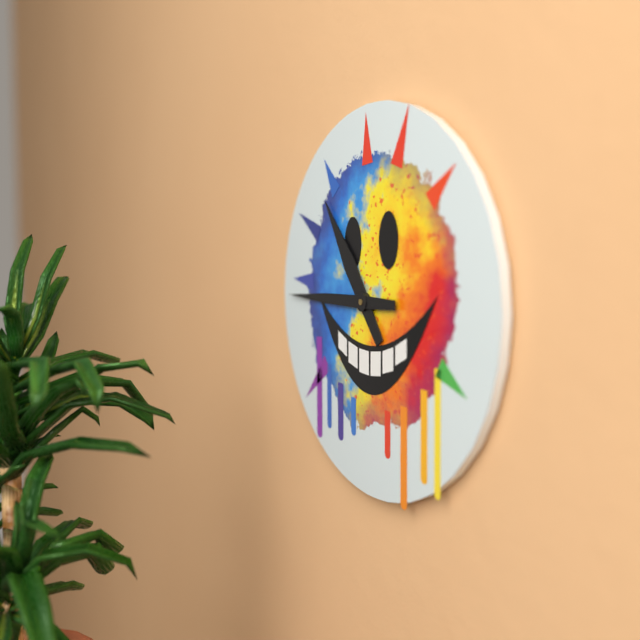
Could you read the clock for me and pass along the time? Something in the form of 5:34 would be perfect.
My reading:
10:45
